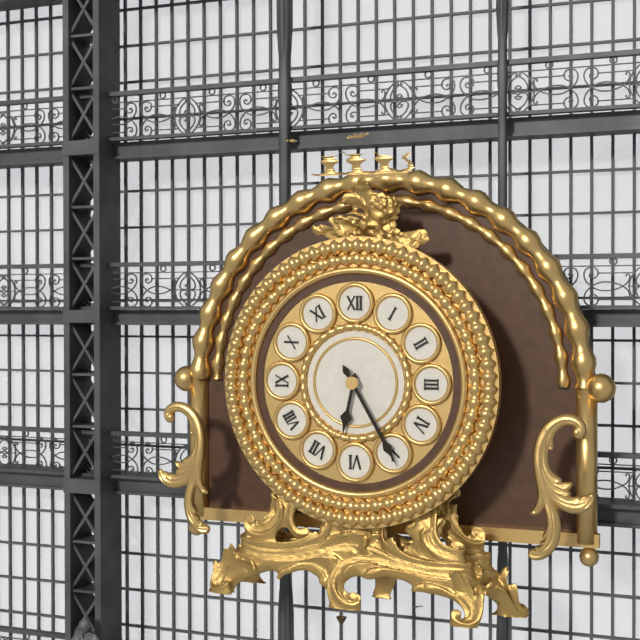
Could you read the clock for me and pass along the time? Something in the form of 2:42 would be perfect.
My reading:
6:25
